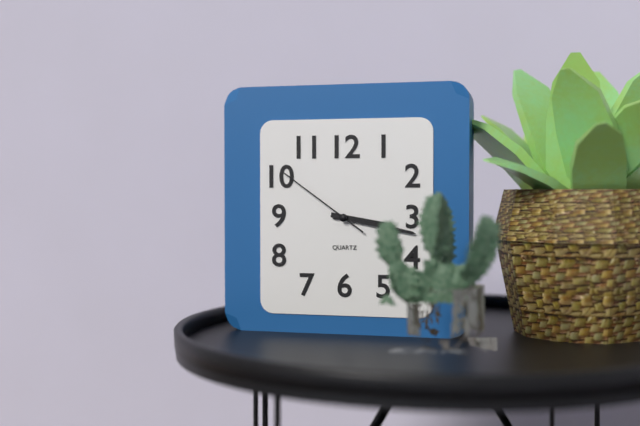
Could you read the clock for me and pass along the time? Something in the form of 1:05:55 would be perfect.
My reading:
3:17:51
